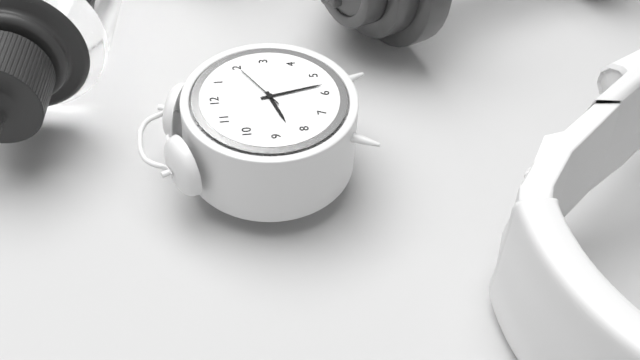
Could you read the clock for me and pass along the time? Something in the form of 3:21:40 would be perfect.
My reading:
8:28:10
